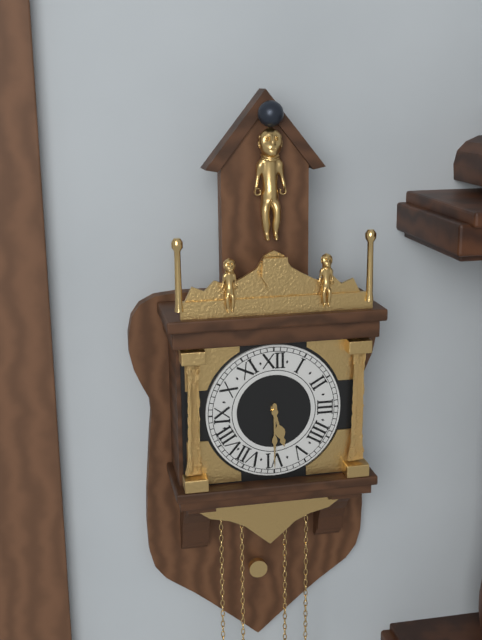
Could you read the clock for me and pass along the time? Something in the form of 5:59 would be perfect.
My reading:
5:30
